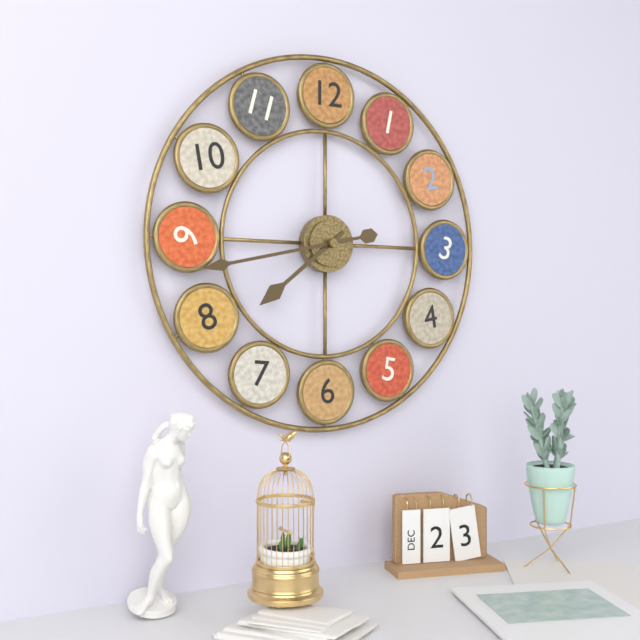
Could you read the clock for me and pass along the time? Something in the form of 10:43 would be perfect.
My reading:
7:43
